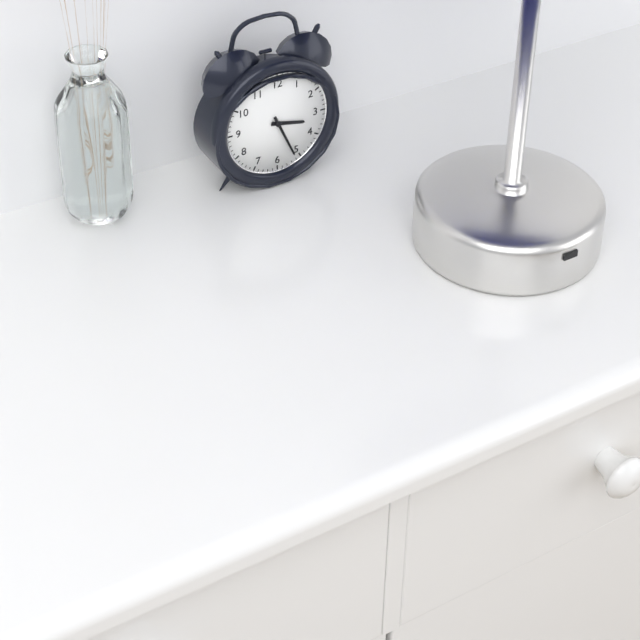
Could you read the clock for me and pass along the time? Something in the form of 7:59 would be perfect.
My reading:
3:26
